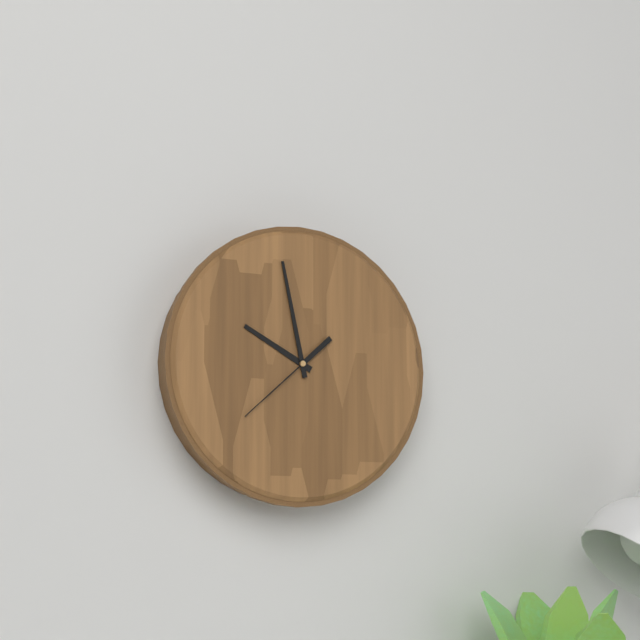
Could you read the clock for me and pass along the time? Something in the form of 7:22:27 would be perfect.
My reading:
9:58:38
